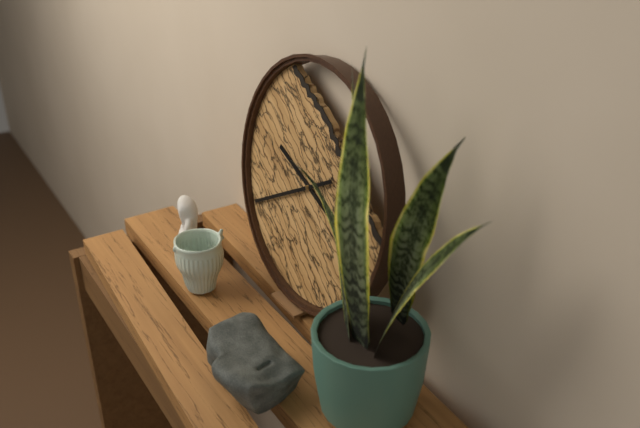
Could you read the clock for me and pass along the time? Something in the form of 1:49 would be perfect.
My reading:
9:40
